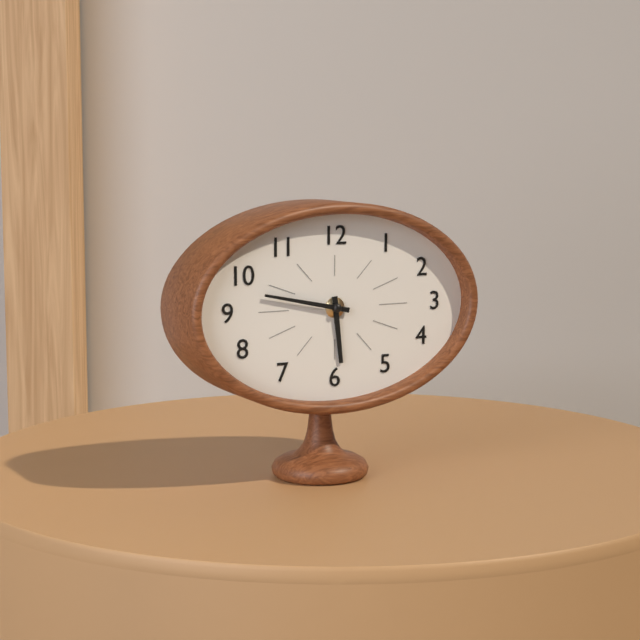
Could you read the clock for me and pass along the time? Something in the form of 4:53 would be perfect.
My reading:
5:47
